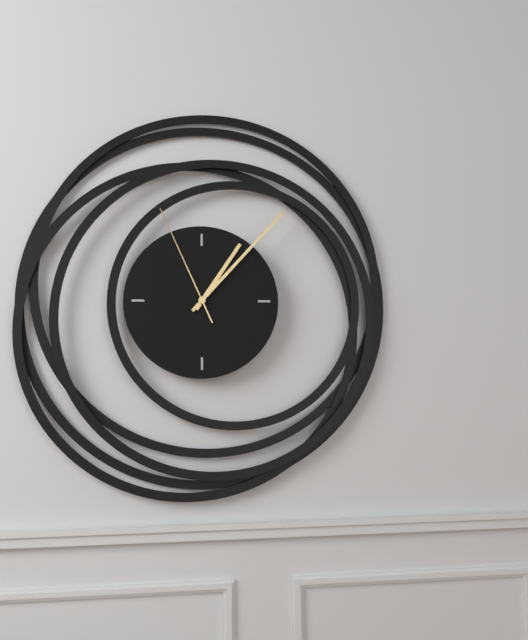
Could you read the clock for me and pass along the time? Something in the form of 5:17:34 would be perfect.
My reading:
1:07:56
